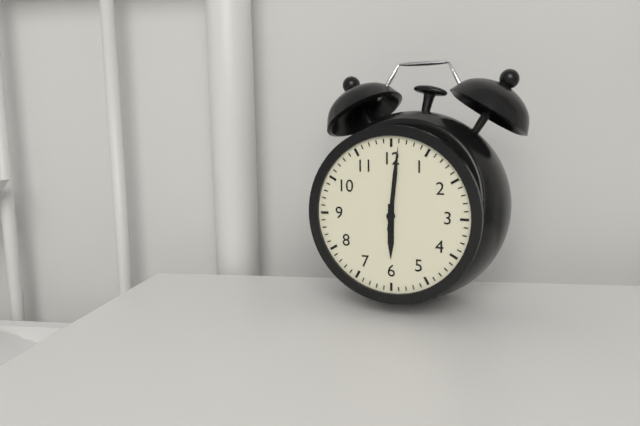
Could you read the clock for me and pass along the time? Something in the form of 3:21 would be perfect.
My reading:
6:01
